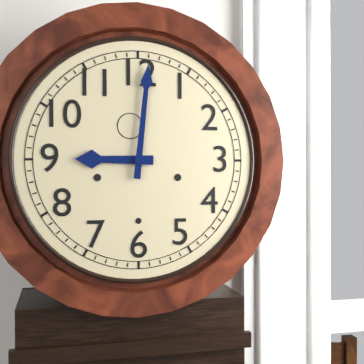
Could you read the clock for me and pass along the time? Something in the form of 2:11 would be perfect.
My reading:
9:01
